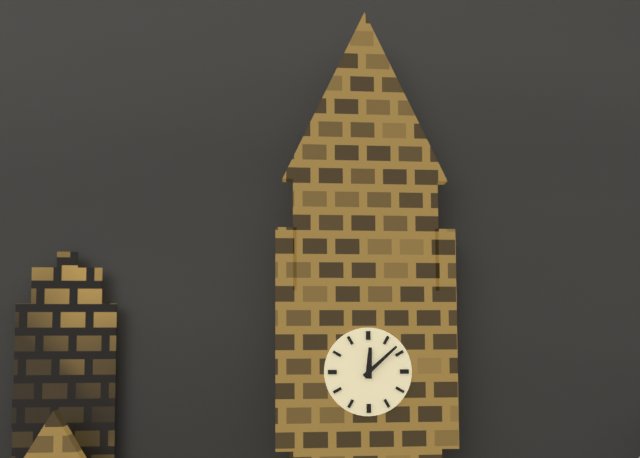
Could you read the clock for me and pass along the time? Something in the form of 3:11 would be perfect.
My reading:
12:08
